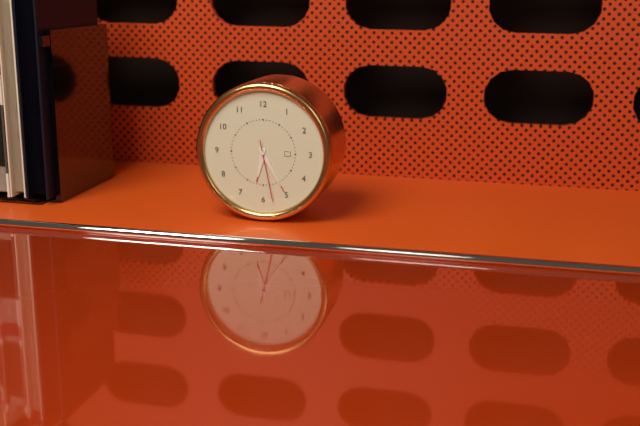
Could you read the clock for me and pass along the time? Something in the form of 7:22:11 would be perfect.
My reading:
6:25:28
